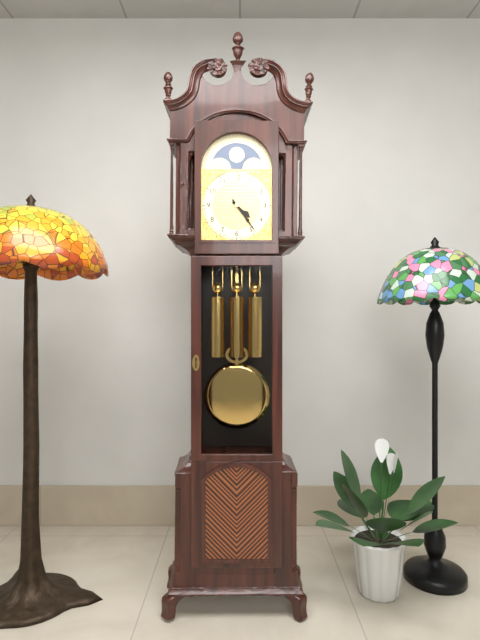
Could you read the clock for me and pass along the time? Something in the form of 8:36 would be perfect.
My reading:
4:24
